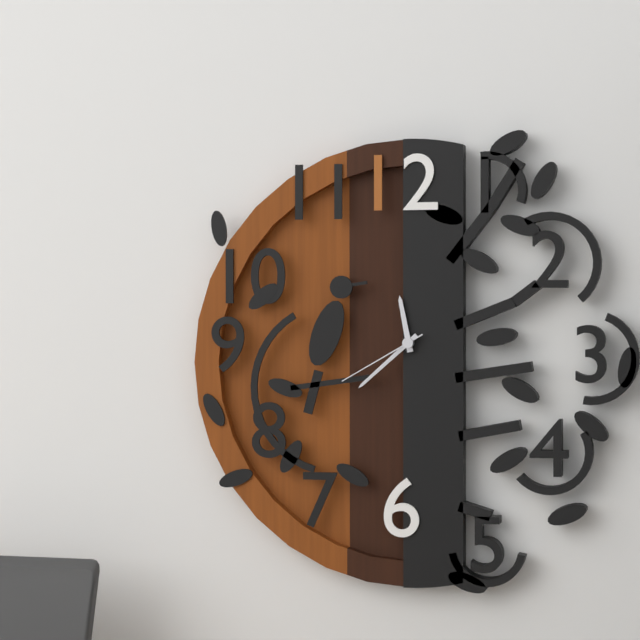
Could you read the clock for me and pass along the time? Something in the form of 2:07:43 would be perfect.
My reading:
11:38:40
